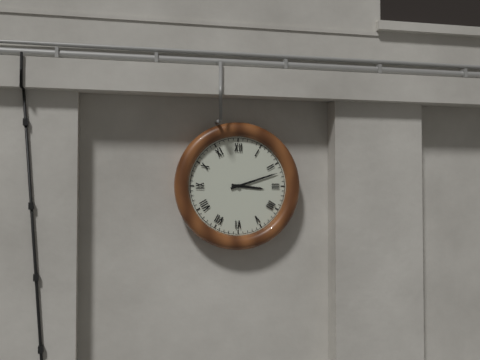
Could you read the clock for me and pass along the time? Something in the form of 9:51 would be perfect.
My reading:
3:12
